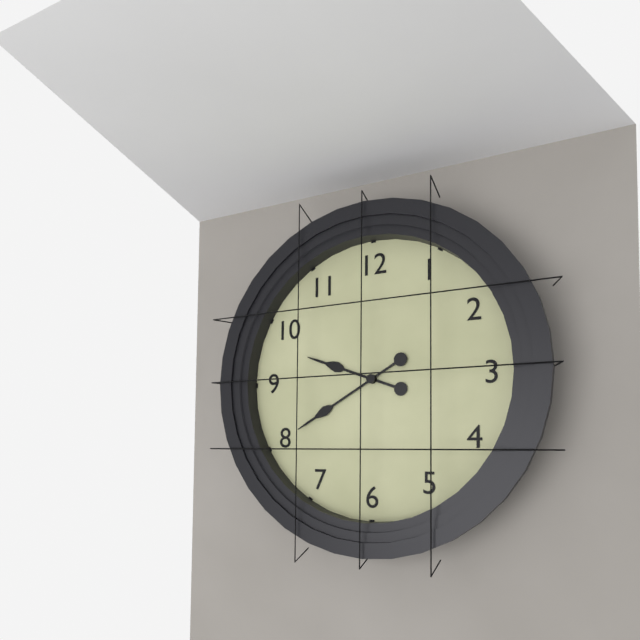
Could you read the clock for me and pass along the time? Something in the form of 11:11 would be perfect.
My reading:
9:40
